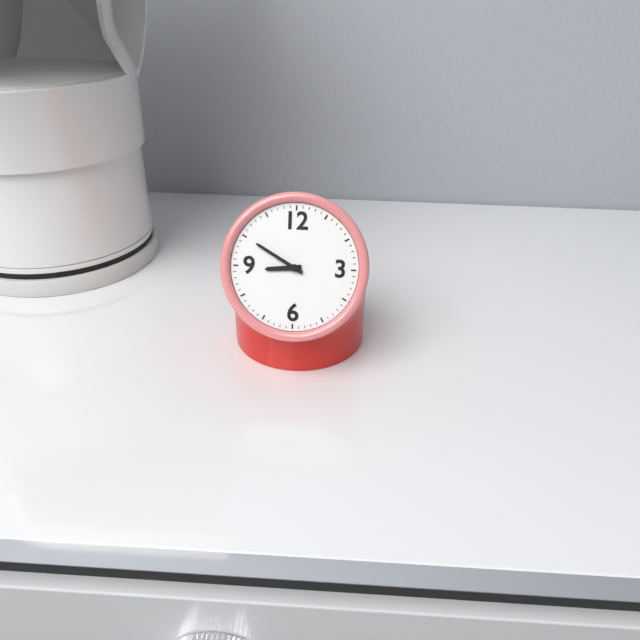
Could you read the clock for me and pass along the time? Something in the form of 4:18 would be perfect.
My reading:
8:50
